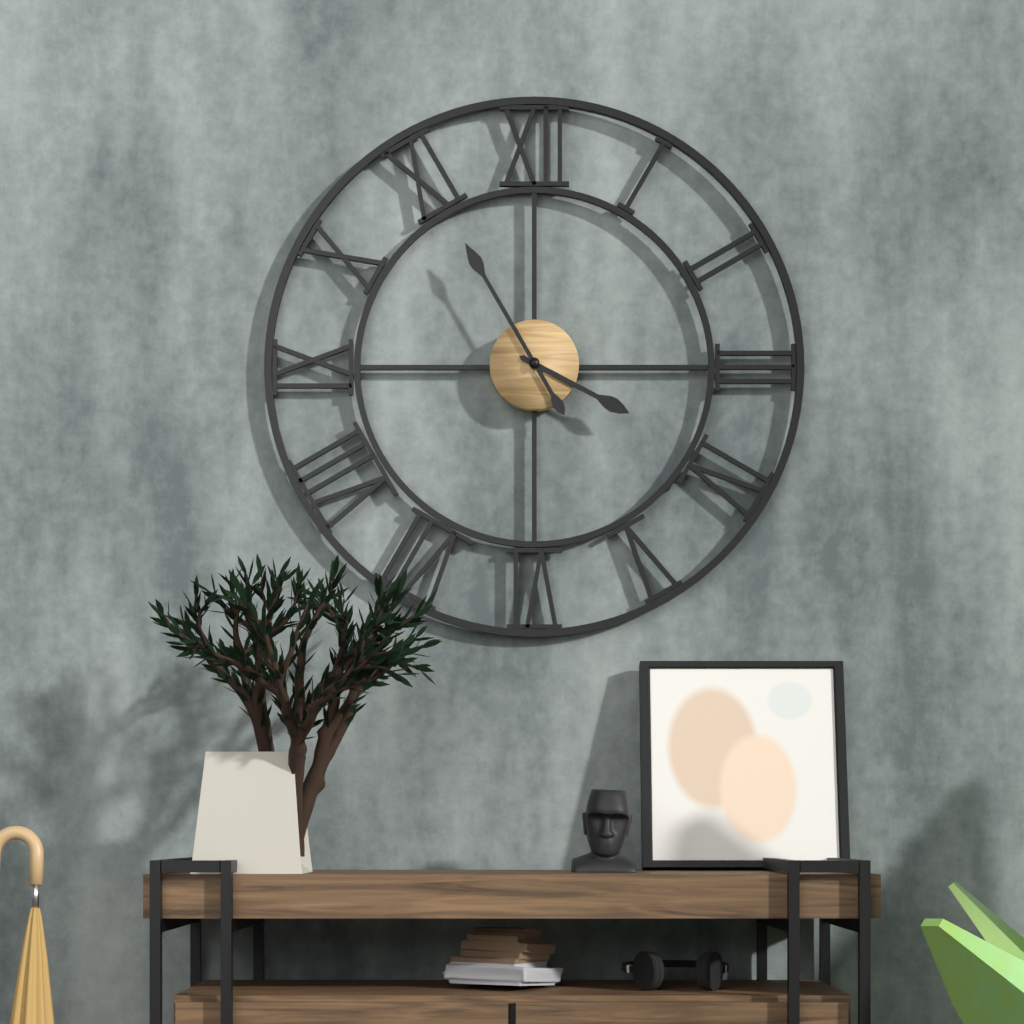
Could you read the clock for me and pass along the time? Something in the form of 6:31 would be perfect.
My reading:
3:55
